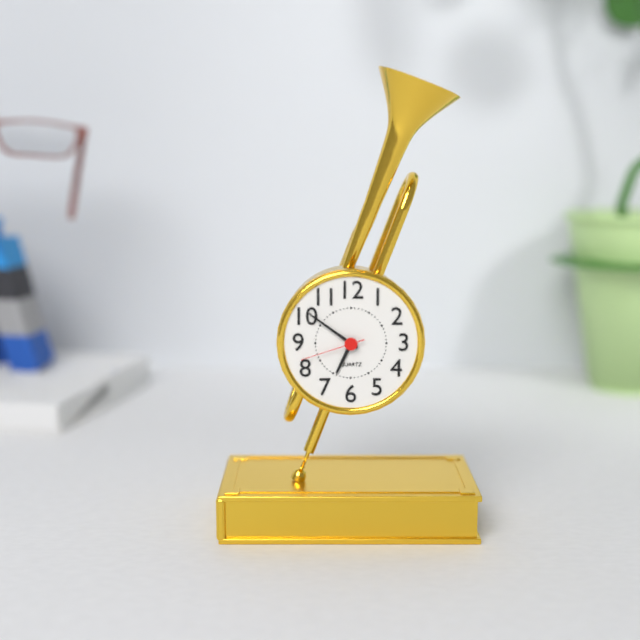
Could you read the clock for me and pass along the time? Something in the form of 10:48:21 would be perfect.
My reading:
6:51:42
